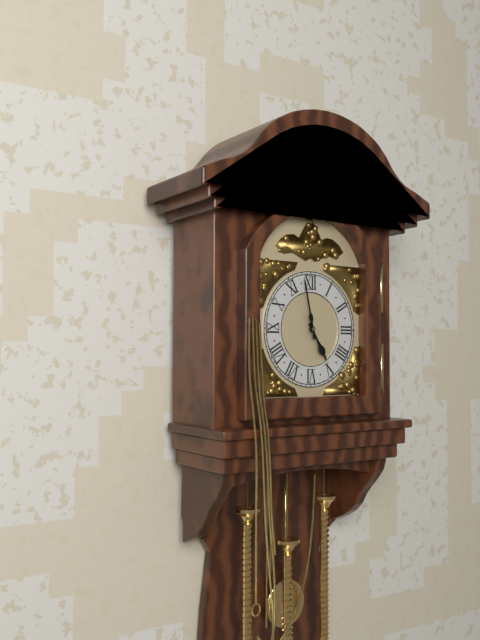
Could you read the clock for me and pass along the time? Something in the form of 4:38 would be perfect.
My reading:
4:58
